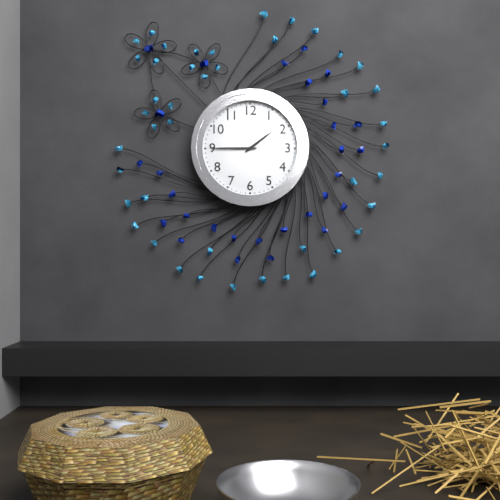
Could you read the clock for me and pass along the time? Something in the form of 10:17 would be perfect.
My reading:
1:45
